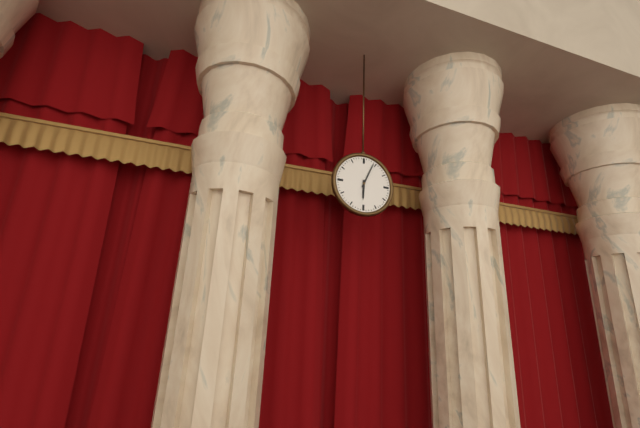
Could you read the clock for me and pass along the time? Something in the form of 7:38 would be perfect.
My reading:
6:04
